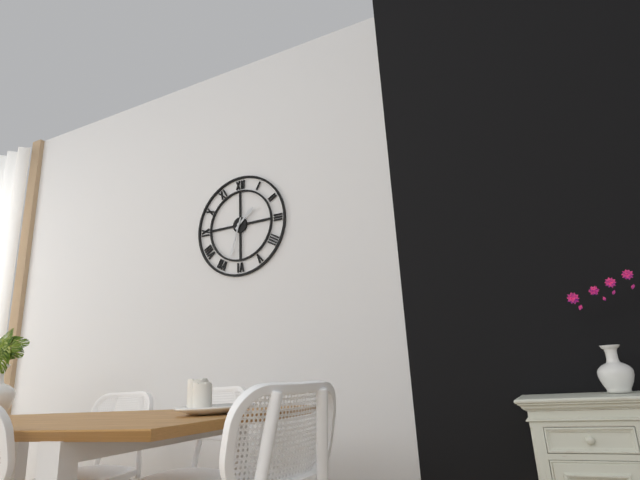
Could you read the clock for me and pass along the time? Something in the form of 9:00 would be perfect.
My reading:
1:33
